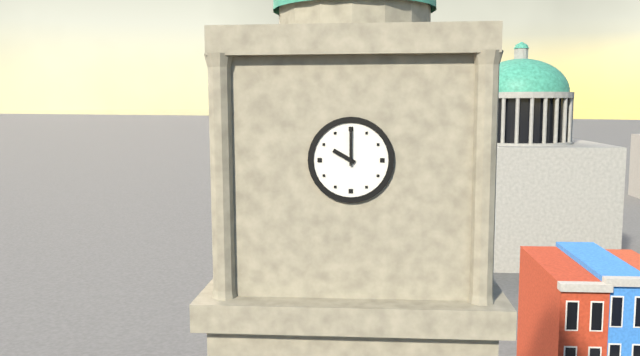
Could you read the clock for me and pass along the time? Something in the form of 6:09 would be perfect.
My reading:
10:00
